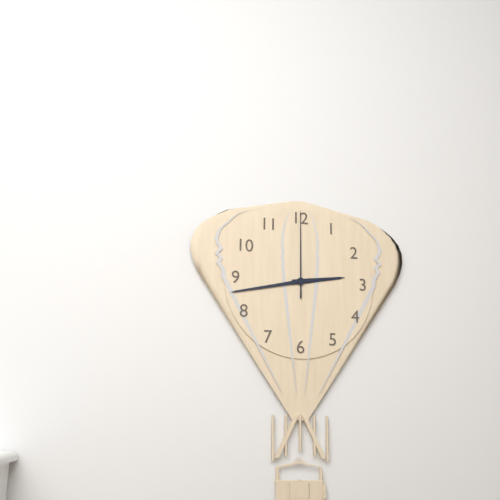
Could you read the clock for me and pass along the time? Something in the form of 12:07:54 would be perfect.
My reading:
2:43:00
